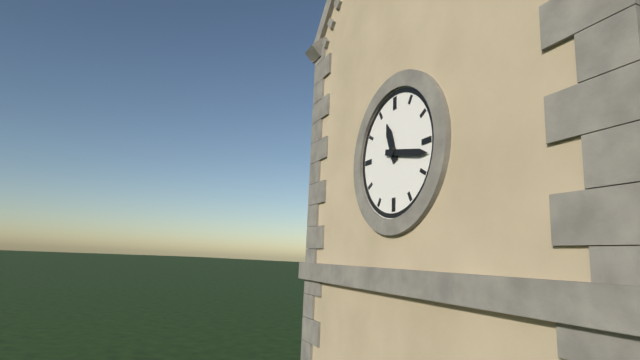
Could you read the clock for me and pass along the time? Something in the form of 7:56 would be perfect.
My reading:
11:17
